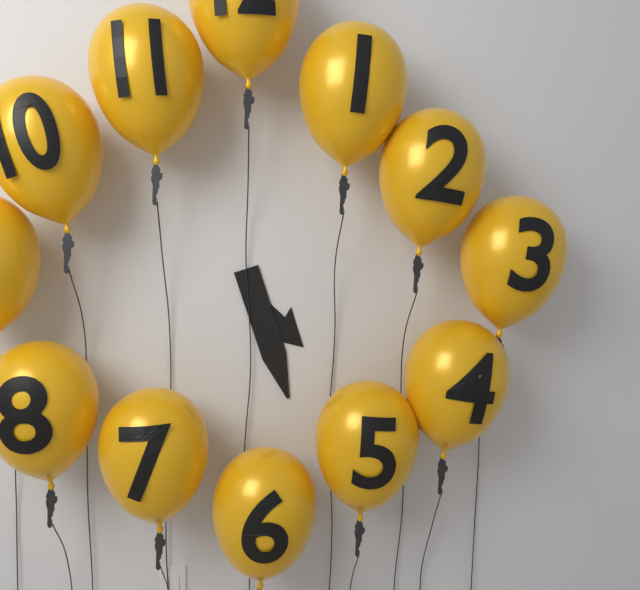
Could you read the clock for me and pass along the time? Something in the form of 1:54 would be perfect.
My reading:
4:27
